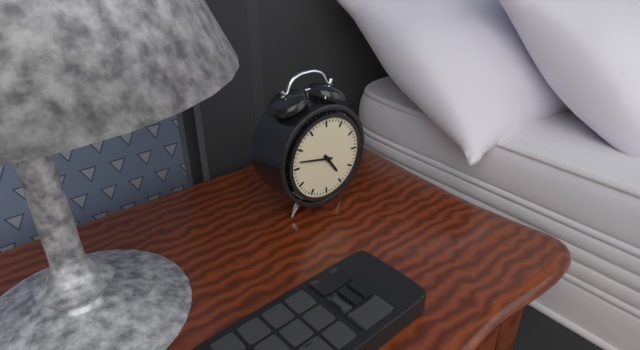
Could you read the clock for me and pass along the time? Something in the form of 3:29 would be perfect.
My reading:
4:47
